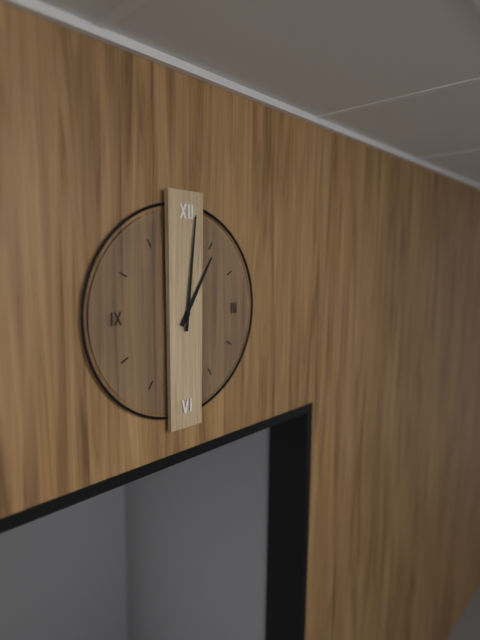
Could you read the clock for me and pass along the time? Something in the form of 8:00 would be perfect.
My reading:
1:01
